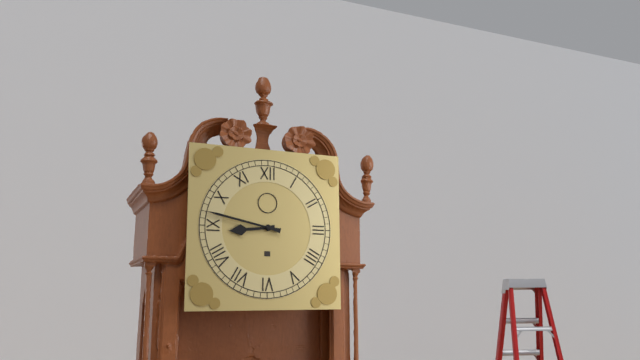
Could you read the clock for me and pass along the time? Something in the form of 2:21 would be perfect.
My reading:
8:47
